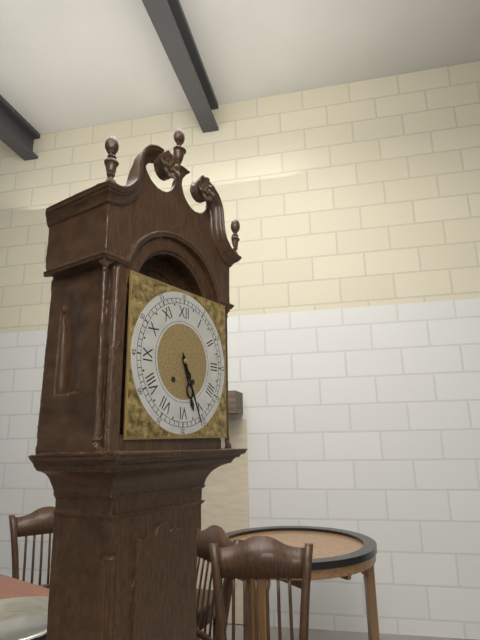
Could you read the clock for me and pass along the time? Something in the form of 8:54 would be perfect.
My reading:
5:26
